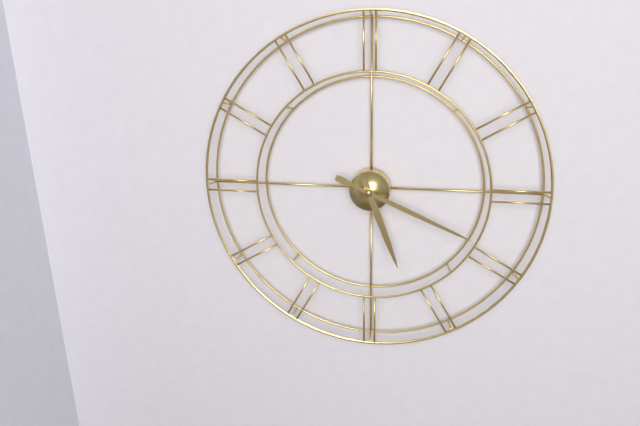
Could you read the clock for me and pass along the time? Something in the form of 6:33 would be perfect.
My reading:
5:19
